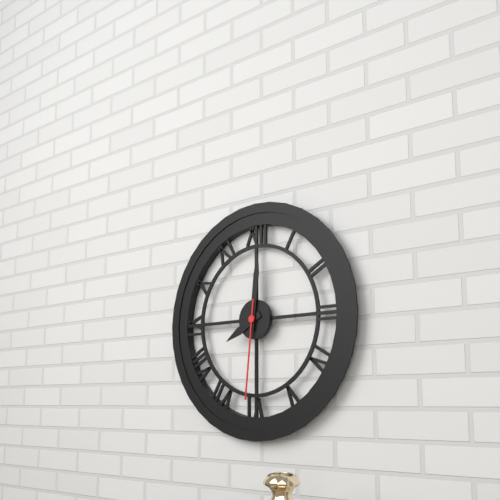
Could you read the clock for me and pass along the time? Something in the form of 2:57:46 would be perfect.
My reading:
8:01:31
